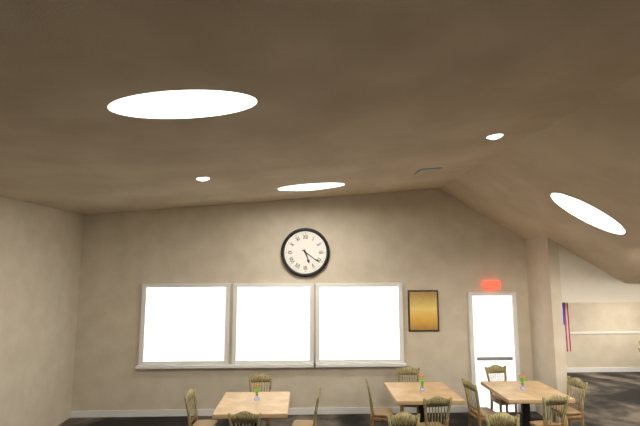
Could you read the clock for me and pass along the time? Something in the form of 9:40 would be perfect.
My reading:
5:21
